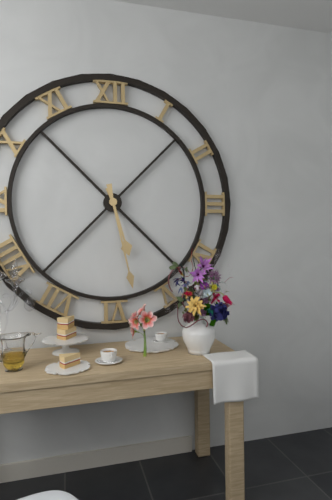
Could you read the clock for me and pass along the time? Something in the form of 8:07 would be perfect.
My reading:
5:28
